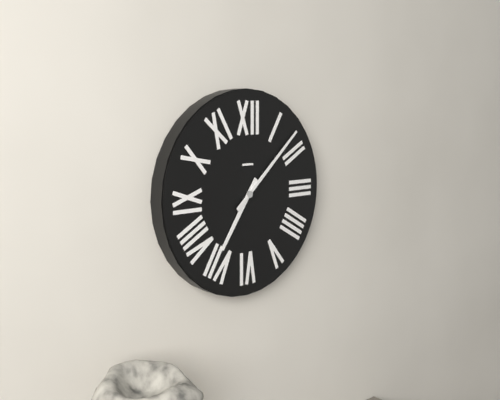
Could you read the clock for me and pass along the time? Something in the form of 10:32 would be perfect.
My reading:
7:08
